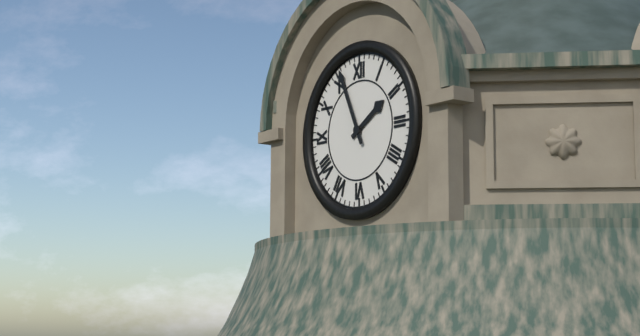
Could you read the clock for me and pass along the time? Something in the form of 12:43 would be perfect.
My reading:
1:56
